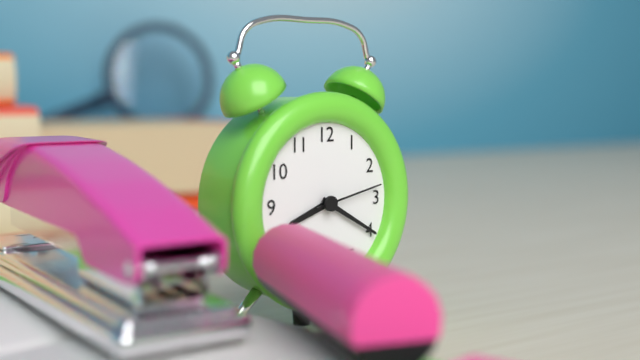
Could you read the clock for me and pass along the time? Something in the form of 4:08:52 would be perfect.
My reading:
8:20:13
